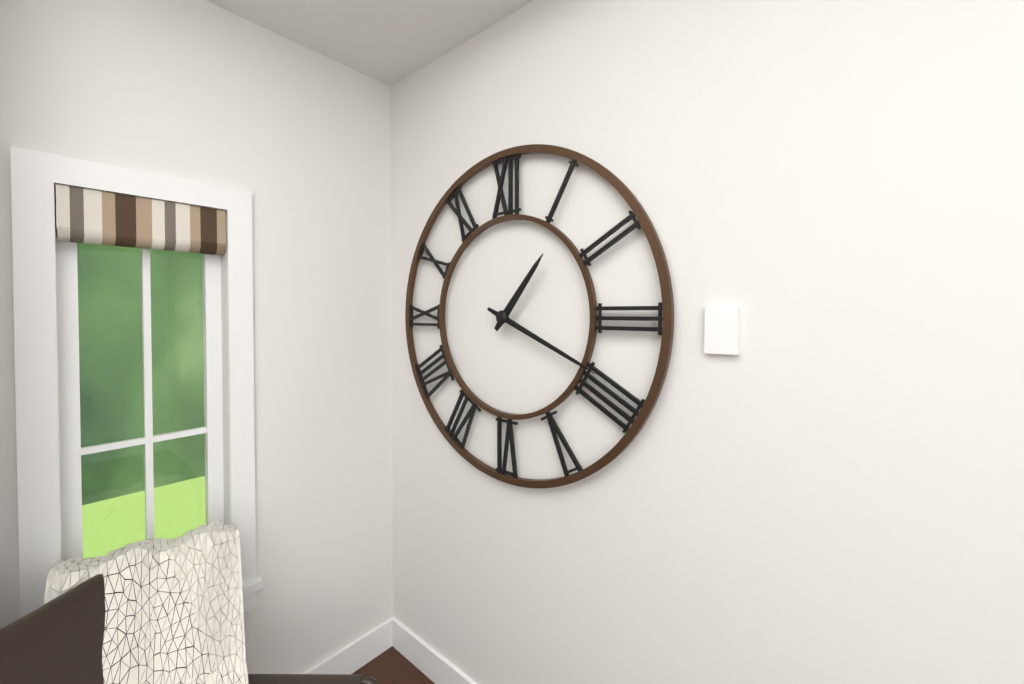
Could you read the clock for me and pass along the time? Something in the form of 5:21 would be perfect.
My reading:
1:19
